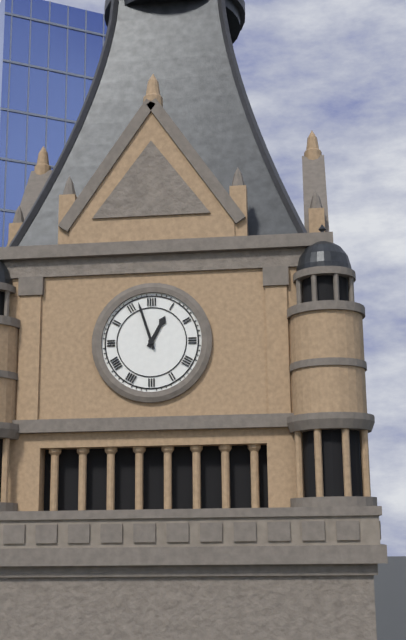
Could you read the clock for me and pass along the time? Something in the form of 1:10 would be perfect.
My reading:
12:57
